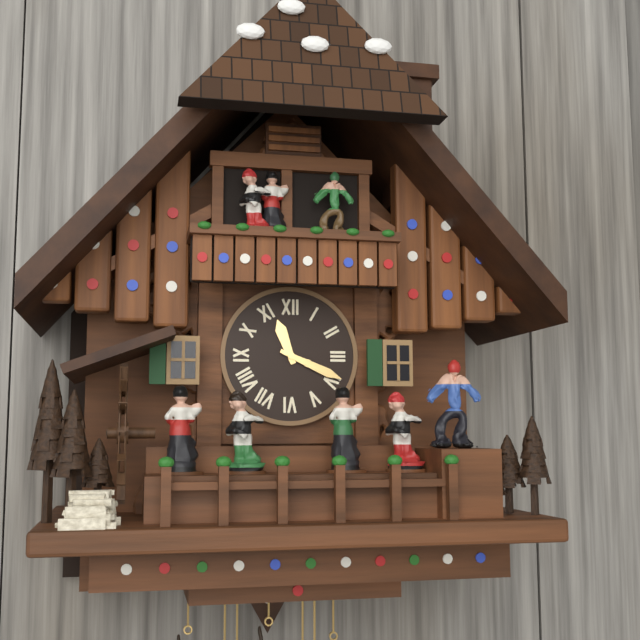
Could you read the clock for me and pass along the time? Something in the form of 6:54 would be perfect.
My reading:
11:19
